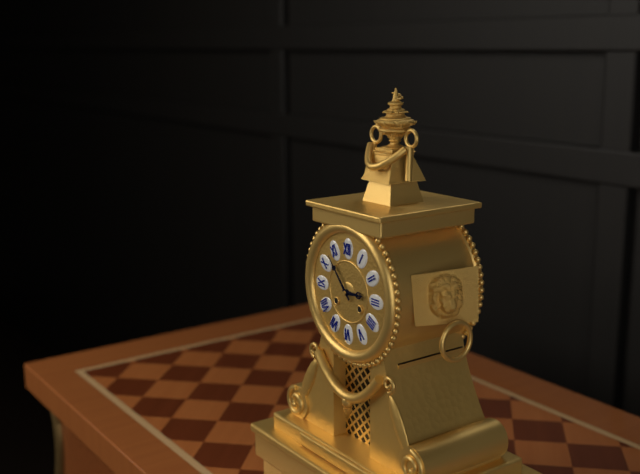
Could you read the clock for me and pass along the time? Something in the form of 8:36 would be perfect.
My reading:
2:53
